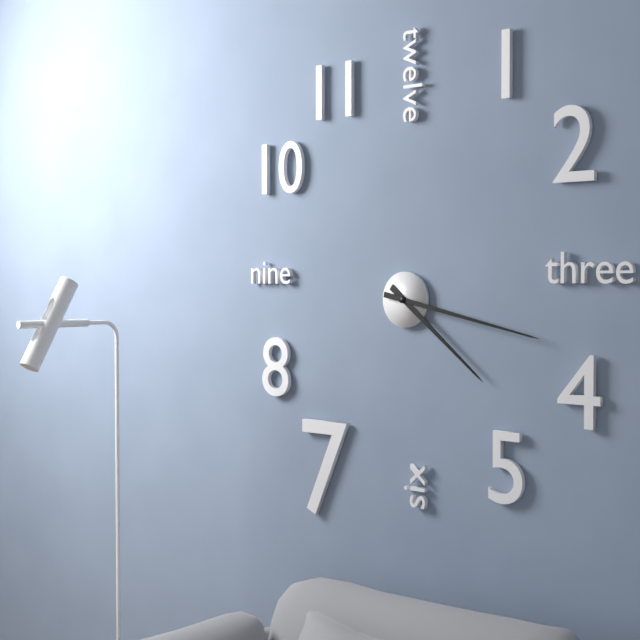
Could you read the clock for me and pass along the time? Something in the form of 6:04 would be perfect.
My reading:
4:17
